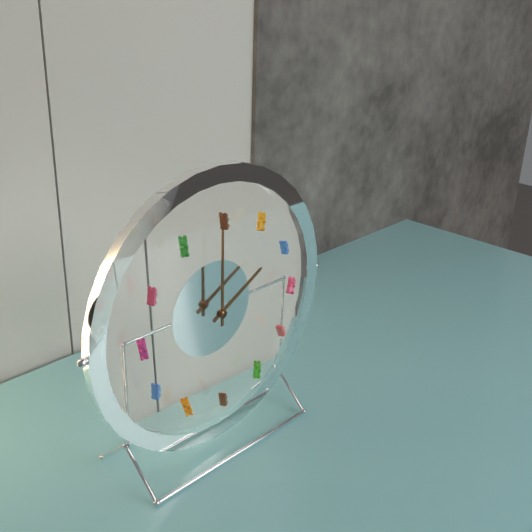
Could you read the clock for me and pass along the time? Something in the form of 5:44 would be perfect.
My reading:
2:00
